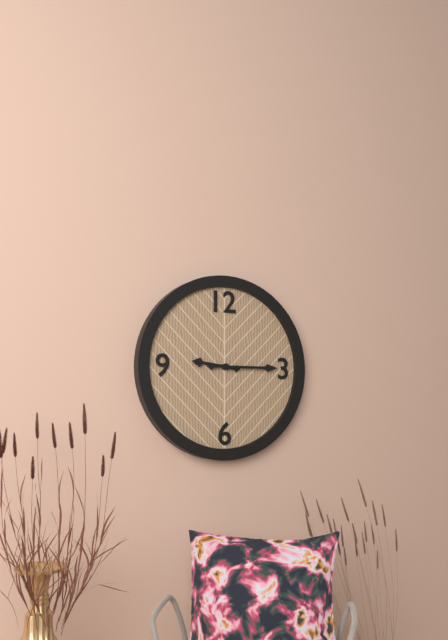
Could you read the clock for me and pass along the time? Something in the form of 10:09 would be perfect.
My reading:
9:15
